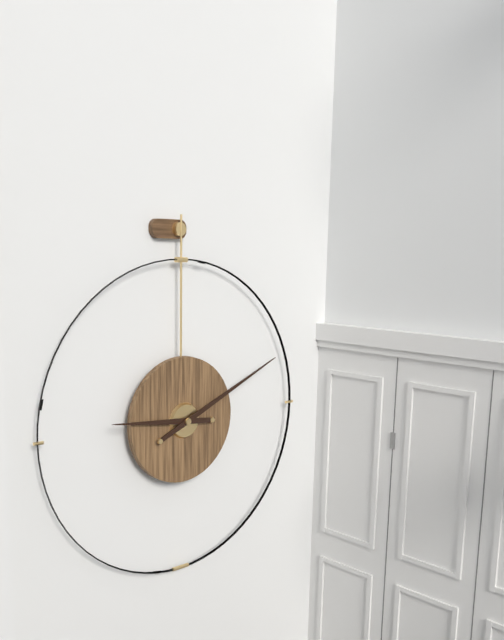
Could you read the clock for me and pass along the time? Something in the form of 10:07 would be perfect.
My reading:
9:11
